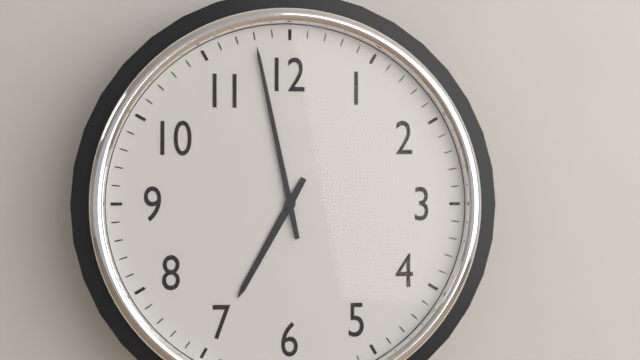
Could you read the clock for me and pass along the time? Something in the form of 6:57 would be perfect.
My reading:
6:58
